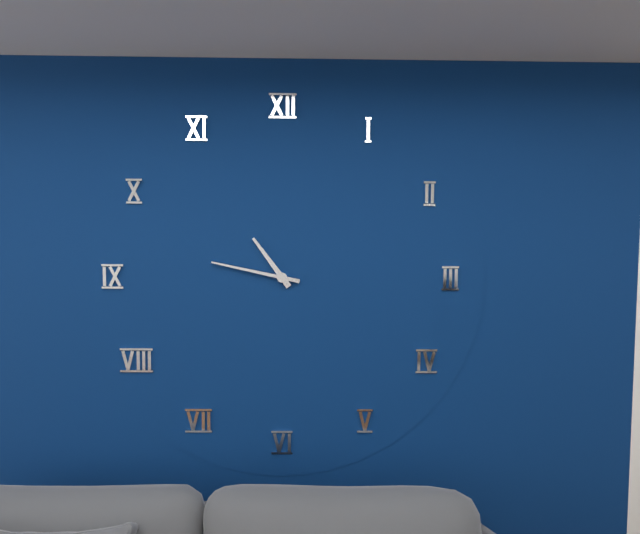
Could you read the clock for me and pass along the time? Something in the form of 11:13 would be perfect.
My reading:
10:47
